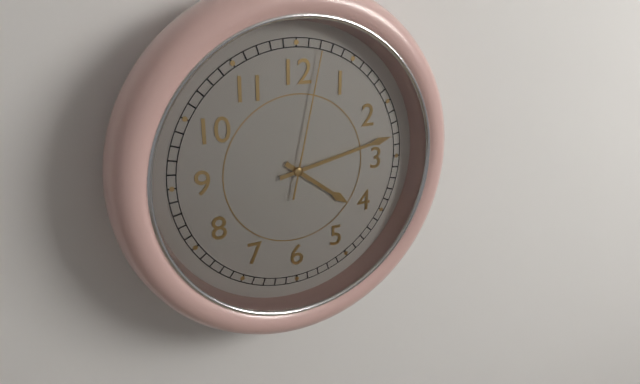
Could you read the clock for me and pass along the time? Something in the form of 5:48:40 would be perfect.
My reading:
4:13:02
